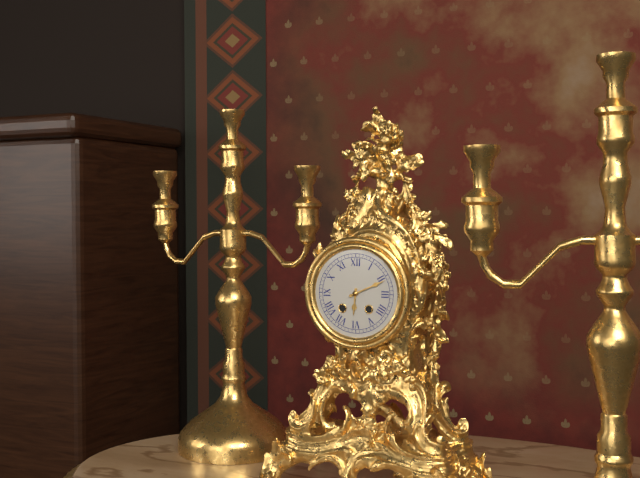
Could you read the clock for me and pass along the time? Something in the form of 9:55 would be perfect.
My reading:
6:11
